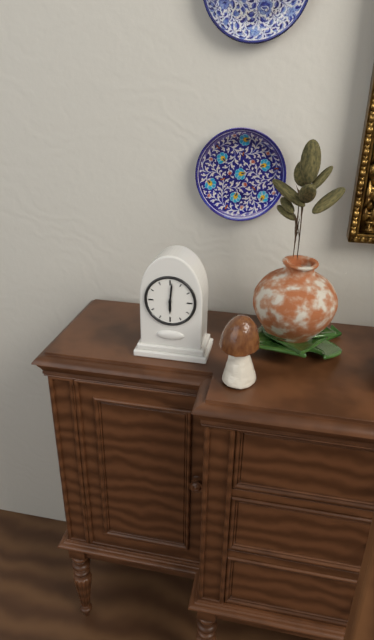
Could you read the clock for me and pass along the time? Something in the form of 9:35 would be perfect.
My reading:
6:01
